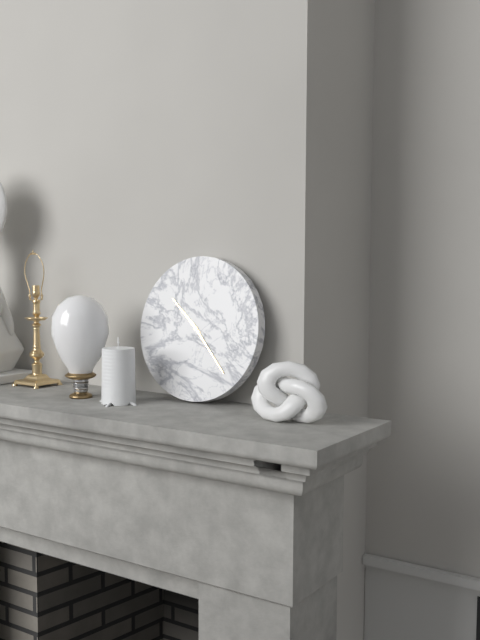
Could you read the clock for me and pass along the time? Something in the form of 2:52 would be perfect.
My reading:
10:23
